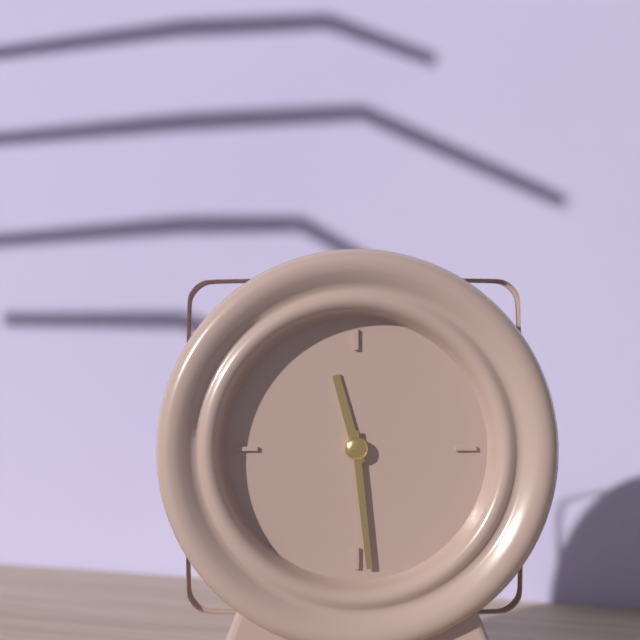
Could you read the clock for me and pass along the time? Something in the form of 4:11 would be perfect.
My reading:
11:29
